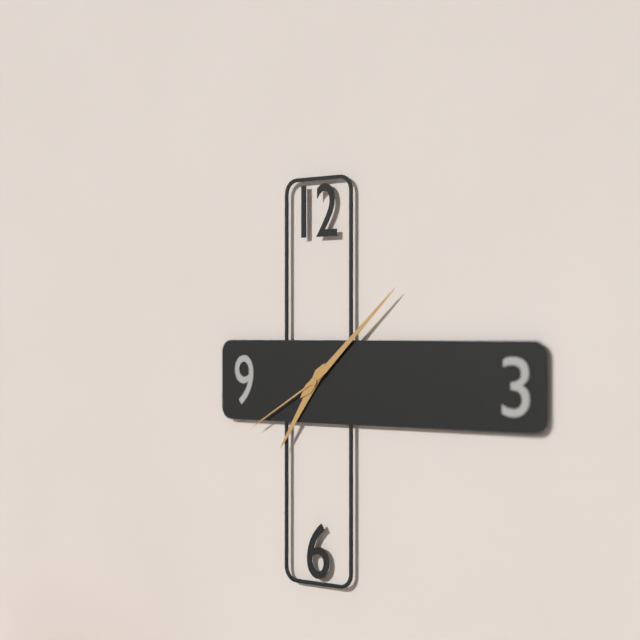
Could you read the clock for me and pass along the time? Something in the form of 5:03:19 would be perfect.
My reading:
7:08:40
